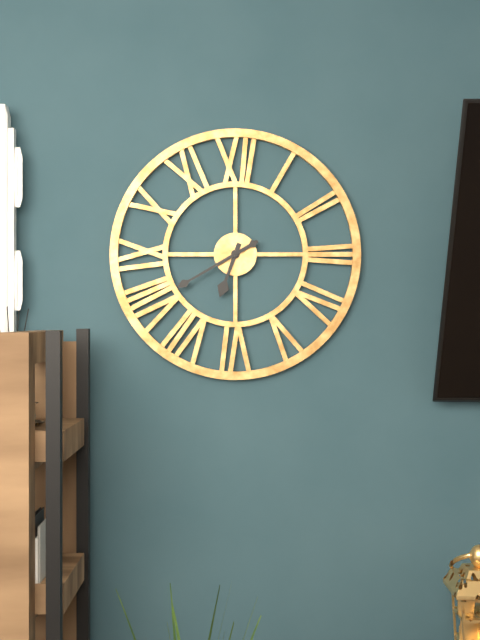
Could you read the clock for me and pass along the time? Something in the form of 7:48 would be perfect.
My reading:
6:40
